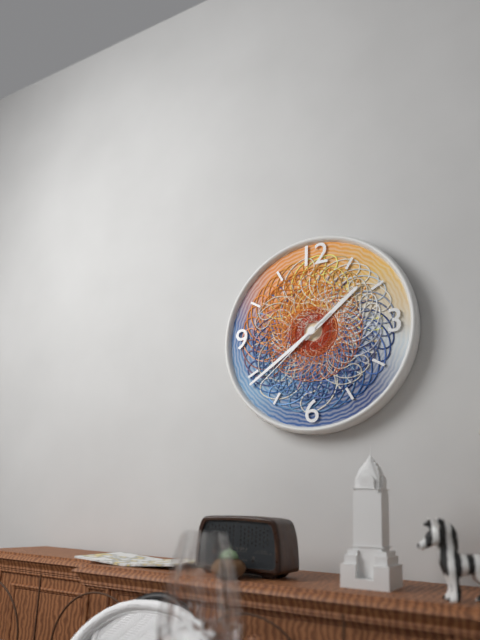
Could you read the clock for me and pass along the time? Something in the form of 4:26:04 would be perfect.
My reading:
1:39:38
